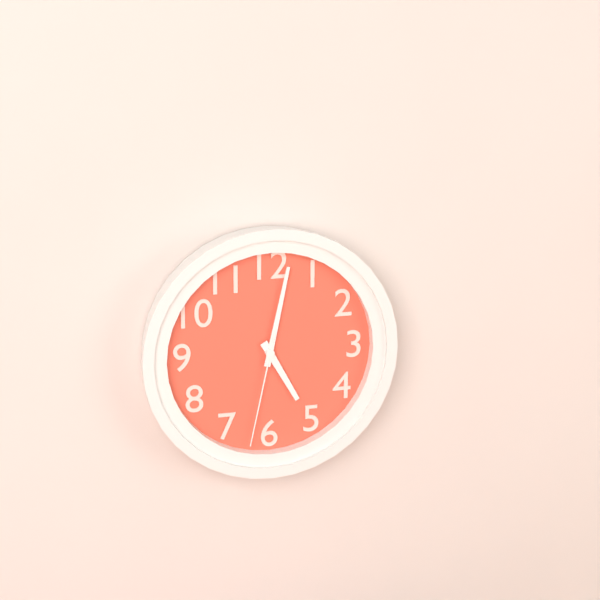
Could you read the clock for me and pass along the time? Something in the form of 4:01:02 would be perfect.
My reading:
5:02:32
